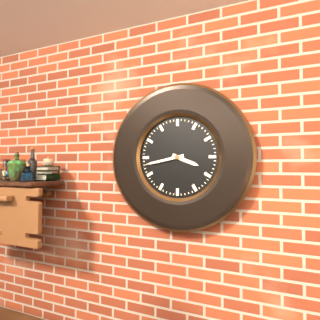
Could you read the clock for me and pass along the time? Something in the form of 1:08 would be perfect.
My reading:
3:43
